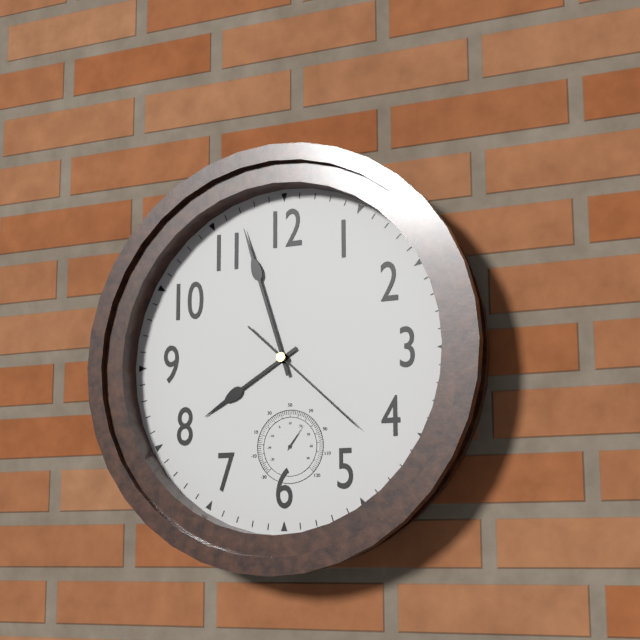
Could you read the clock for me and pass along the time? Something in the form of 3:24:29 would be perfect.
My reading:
7:57:22
